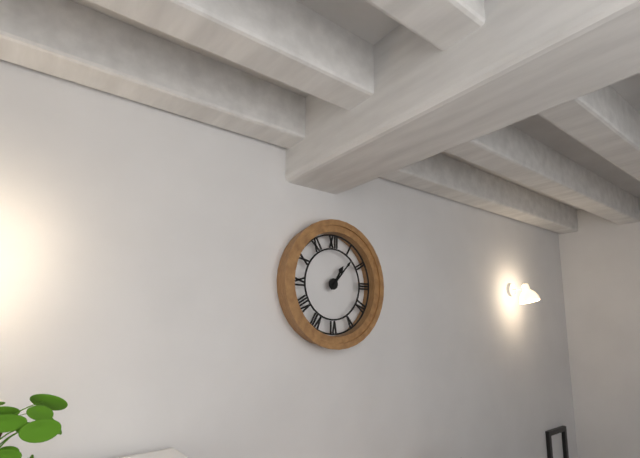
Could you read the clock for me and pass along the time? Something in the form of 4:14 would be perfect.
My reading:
1:07
